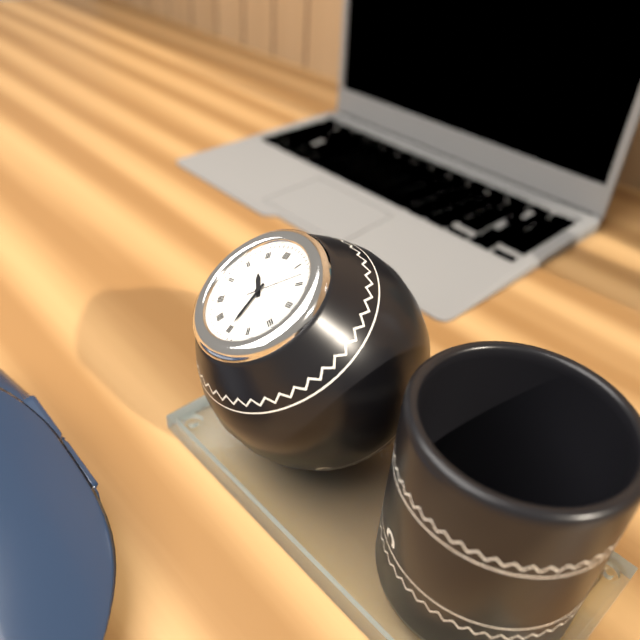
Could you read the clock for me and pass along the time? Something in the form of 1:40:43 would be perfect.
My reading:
10:30:08
